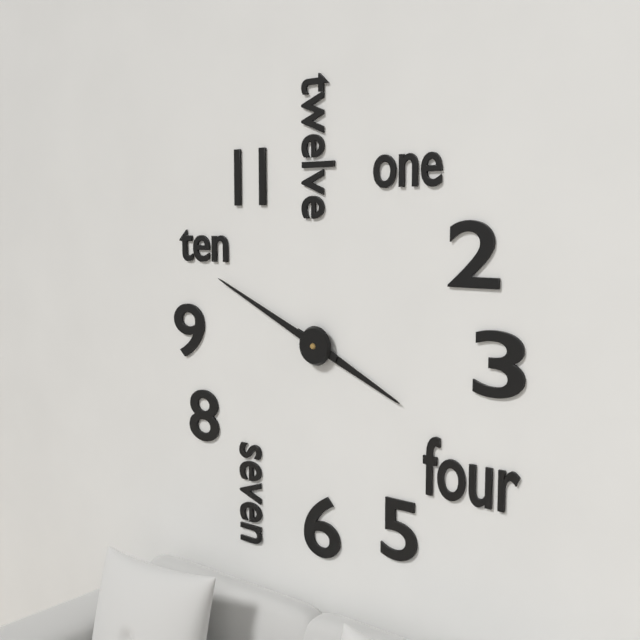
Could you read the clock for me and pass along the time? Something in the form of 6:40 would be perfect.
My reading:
3:49
